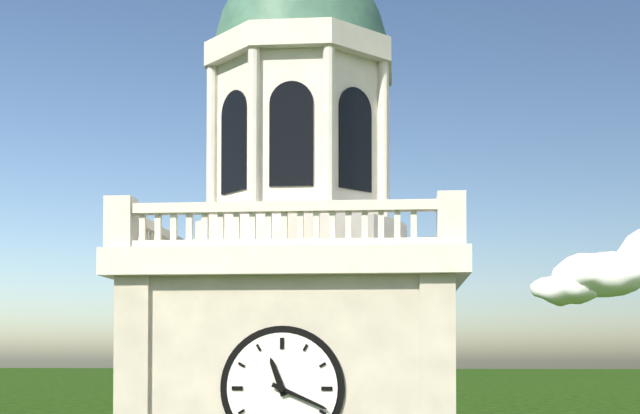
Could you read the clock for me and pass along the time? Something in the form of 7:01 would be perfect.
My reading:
11:19
